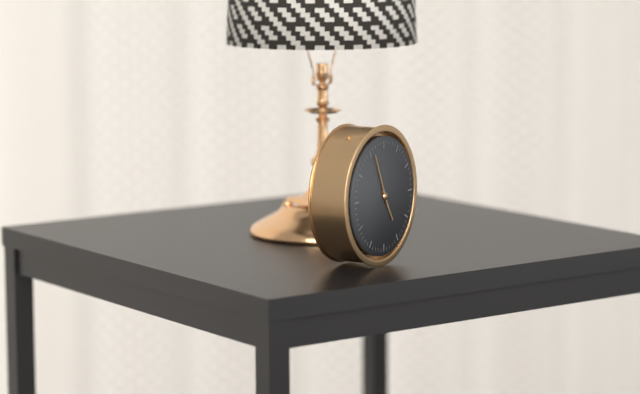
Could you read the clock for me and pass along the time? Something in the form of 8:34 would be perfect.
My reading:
4:56
